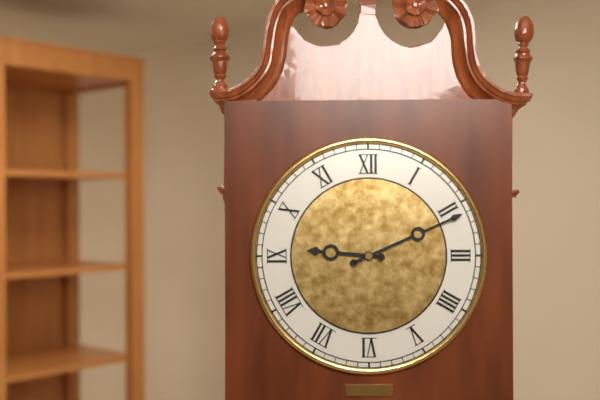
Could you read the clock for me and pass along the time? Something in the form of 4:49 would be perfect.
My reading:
9:11
